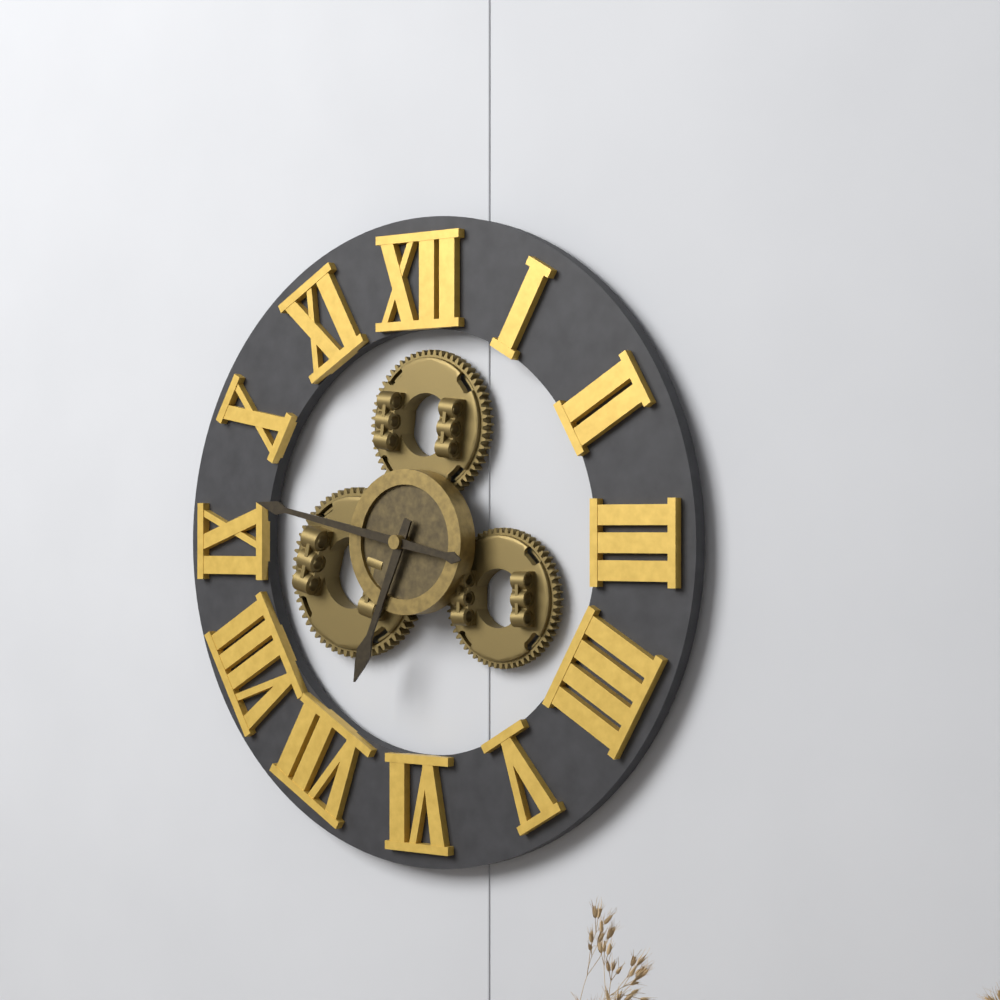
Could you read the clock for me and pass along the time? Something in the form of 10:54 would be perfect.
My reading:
6:47
